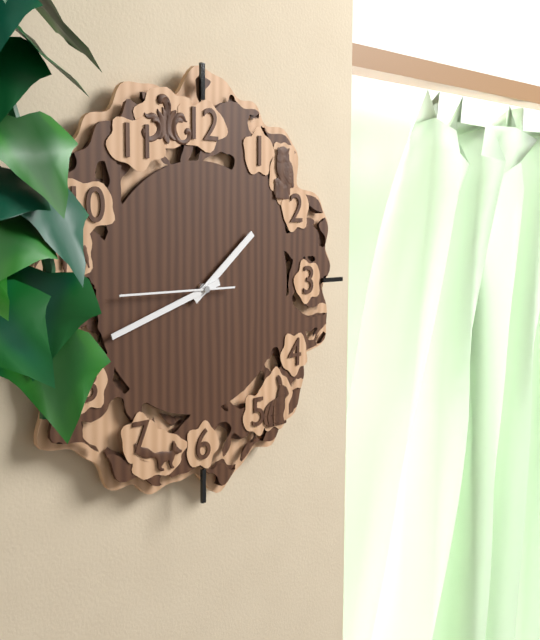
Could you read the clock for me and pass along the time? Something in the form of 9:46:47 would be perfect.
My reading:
1:42:45
